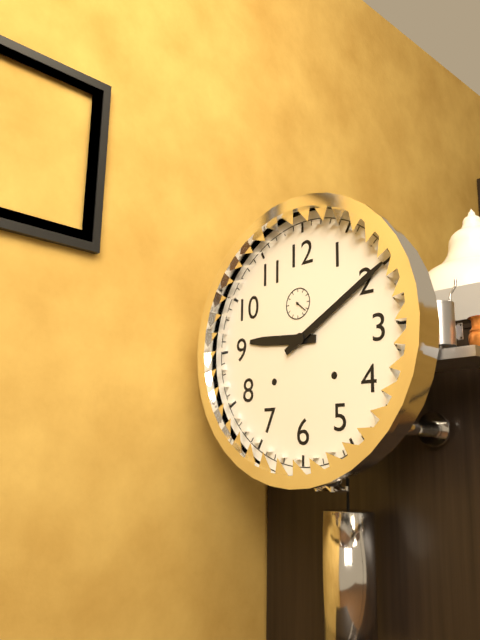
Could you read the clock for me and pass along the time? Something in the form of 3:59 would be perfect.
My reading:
9:10
